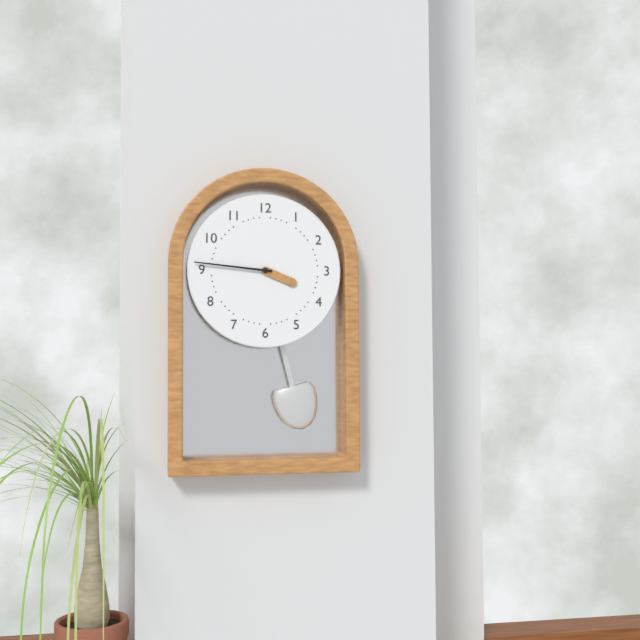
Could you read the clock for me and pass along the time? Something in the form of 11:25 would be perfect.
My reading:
3:46
